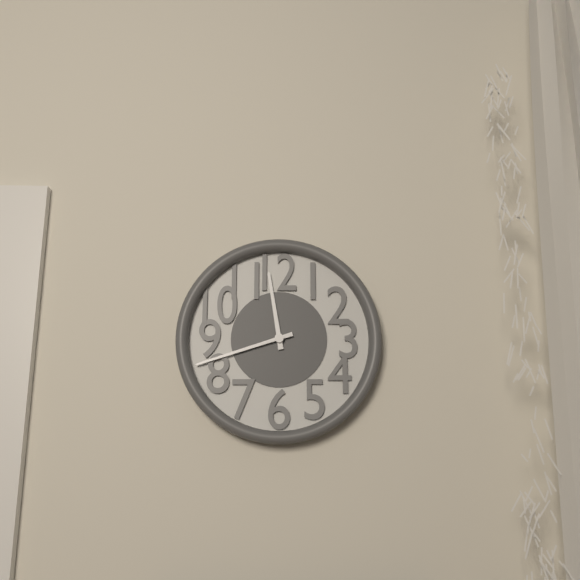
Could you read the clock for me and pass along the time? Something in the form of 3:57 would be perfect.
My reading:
11:42
